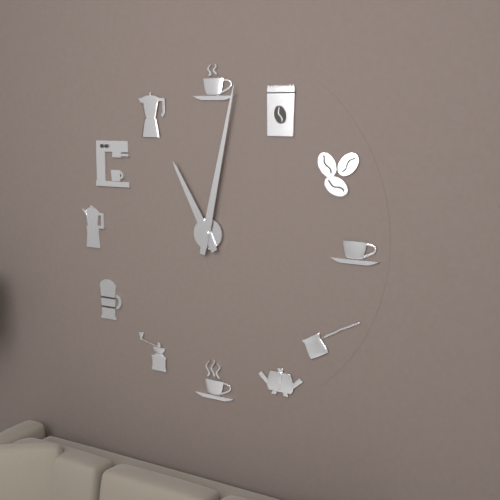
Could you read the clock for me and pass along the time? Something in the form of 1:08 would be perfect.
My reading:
11:02
